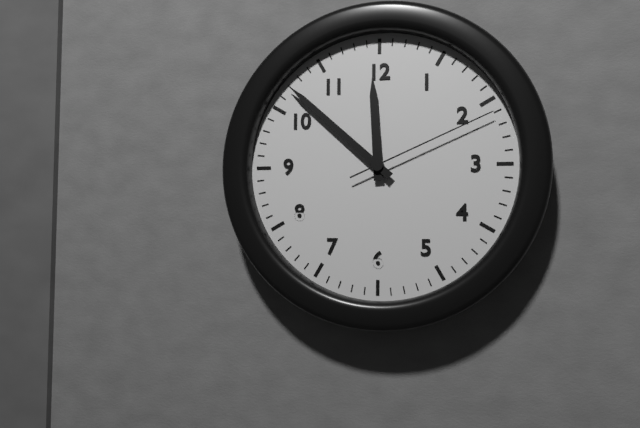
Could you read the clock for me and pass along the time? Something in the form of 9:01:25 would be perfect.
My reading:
11:52:11
